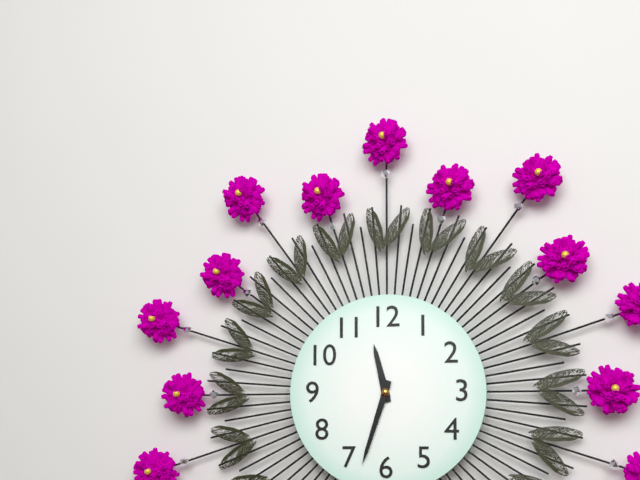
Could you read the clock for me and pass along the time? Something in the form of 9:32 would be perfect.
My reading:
11:33
